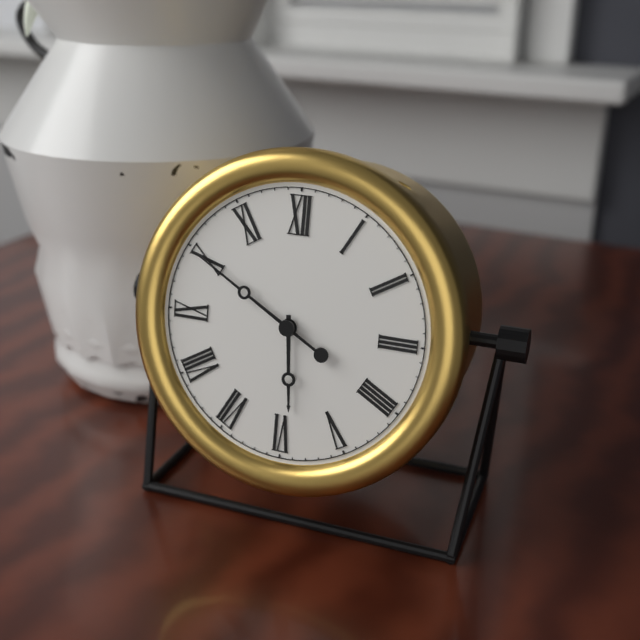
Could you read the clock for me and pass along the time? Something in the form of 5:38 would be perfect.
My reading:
5:50
